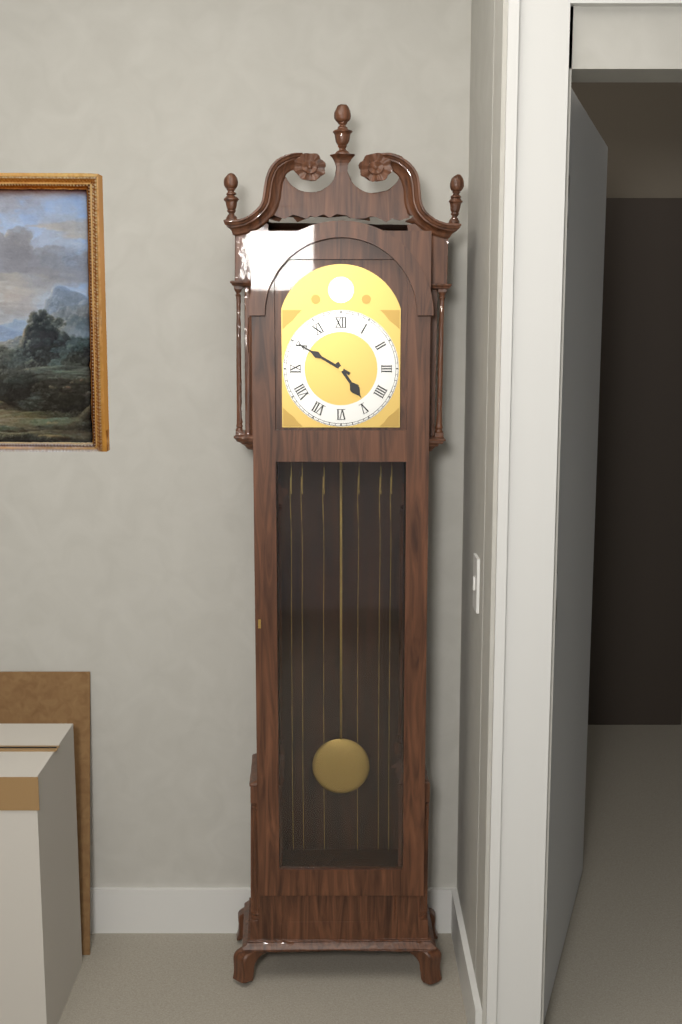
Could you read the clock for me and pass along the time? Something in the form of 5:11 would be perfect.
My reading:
4:50
